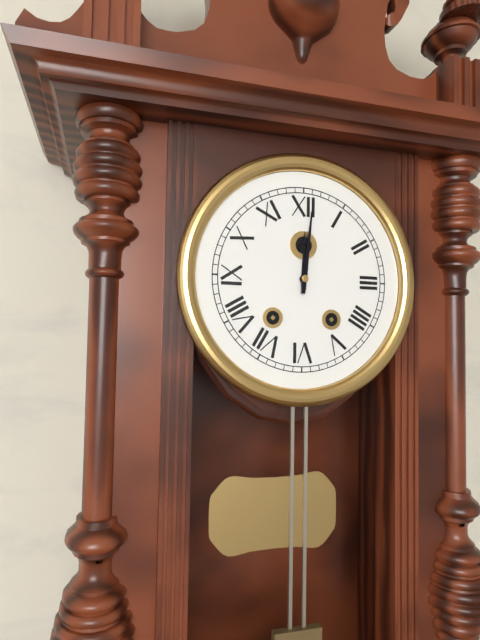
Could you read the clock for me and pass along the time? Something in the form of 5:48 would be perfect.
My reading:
12:01
